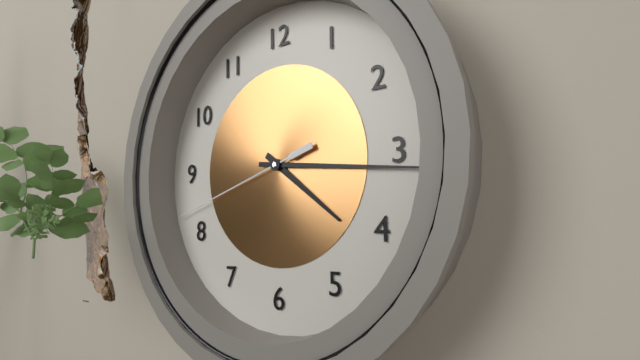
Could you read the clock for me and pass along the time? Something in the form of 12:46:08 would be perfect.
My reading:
4:16:42
